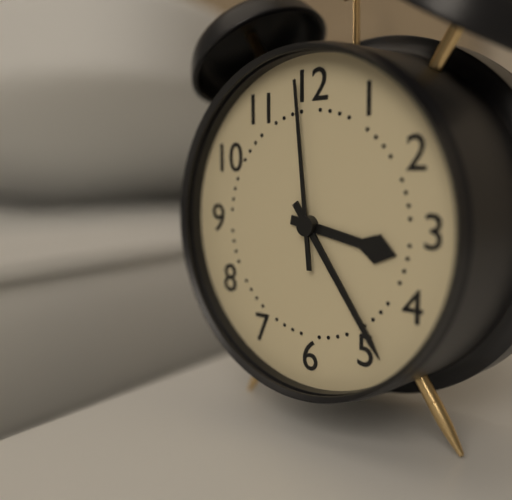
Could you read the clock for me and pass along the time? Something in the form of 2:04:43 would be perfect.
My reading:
3:24:59
